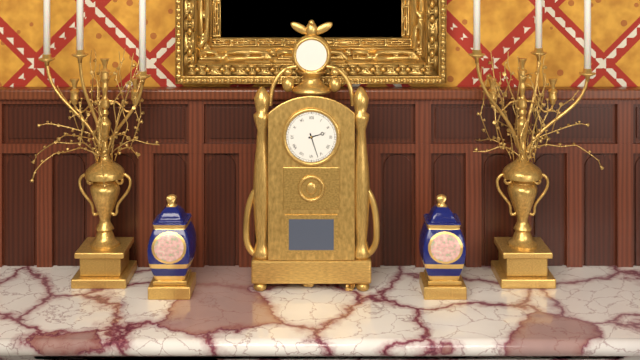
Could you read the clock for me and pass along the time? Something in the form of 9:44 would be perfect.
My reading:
2:27
